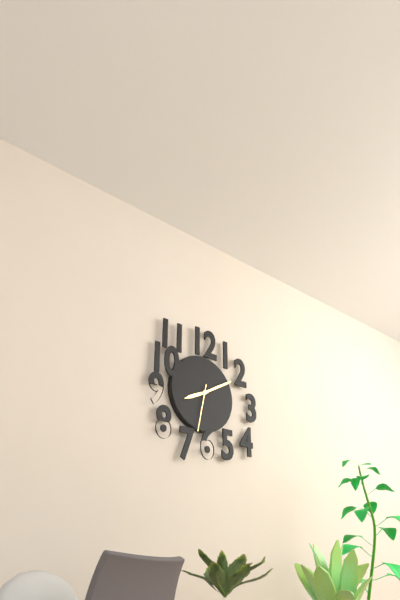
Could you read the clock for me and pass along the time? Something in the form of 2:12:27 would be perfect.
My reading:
8:10:32
